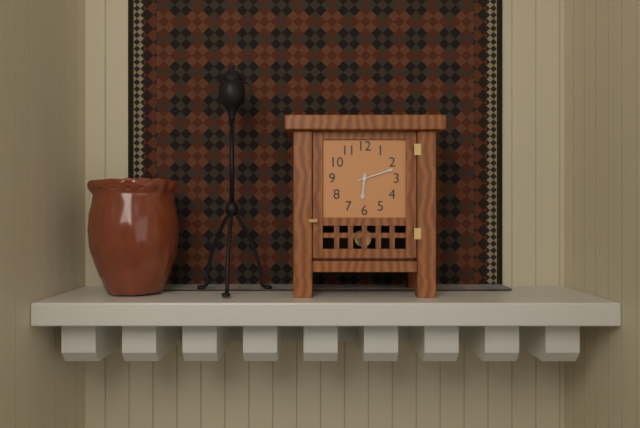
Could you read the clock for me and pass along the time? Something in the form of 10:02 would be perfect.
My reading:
6:12
